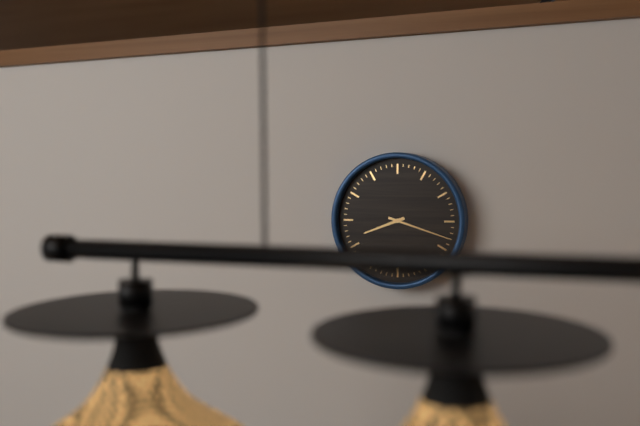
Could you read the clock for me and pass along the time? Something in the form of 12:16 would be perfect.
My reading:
8:18
